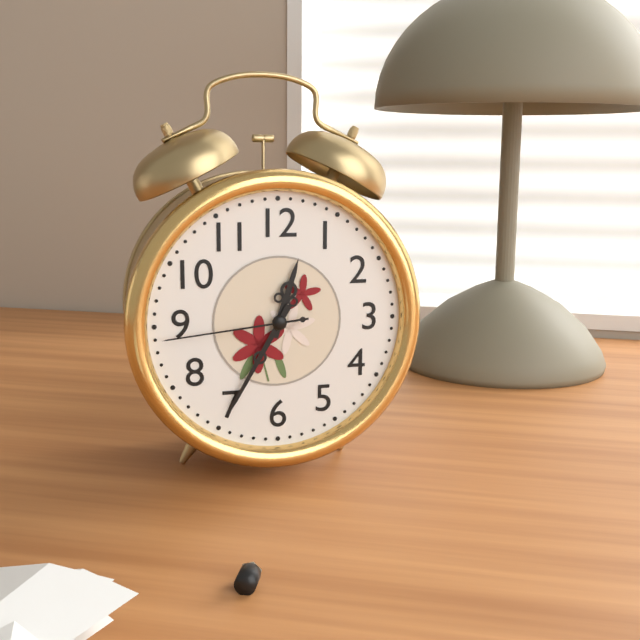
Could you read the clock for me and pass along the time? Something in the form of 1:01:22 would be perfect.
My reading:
12:35:44
